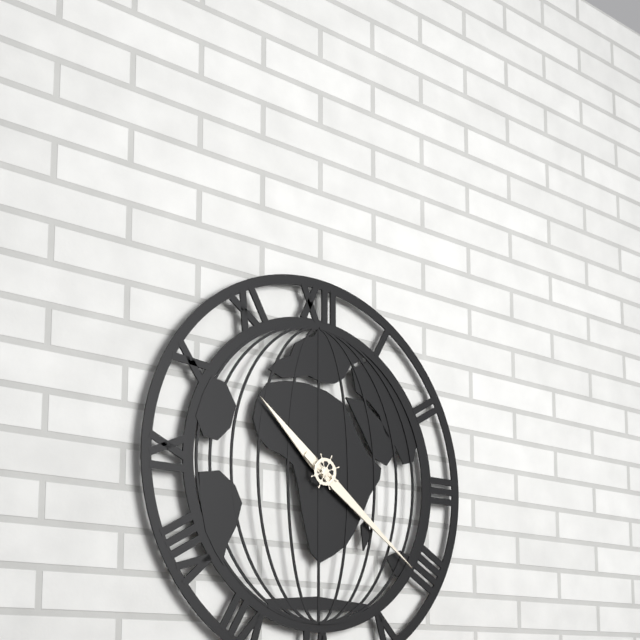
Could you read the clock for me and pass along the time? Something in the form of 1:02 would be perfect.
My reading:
10:21
